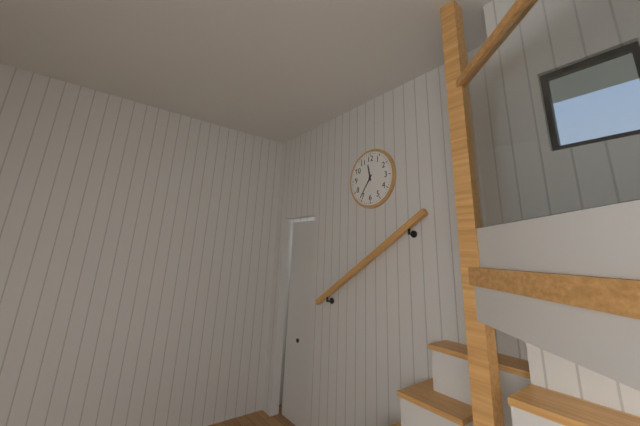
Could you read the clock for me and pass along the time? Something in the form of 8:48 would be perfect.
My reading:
11:36
